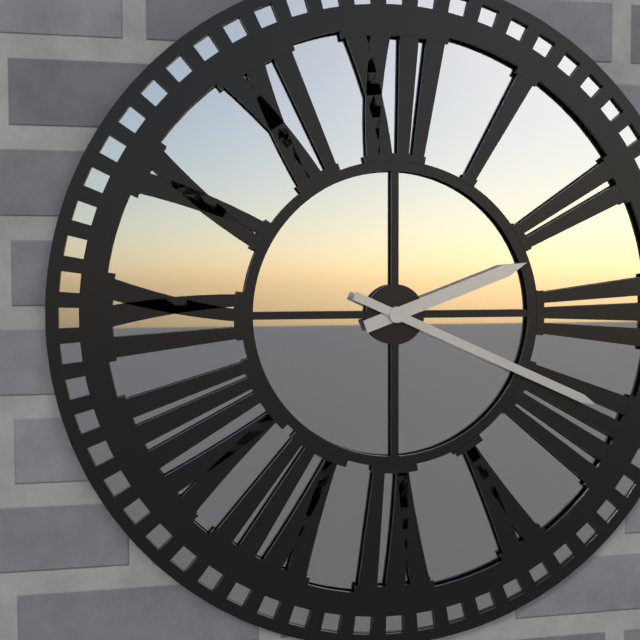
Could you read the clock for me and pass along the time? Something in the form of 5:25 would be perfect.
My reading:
2:19
